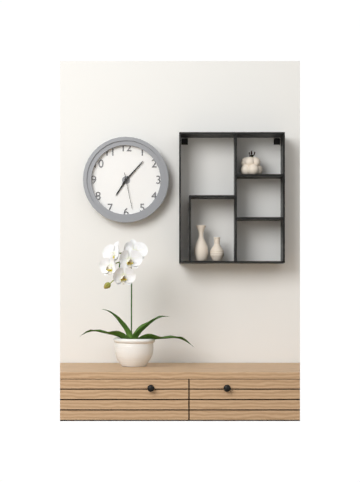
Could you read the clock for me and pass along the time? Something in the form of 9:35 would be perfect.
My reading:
7:07
